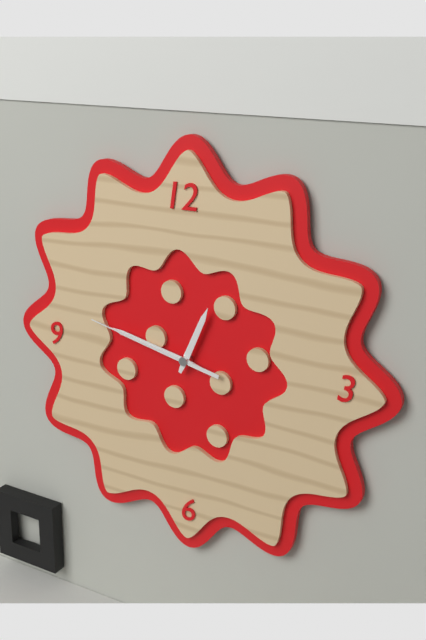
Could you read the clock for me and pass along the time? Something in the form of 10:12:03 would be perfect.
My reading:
12:47:47
